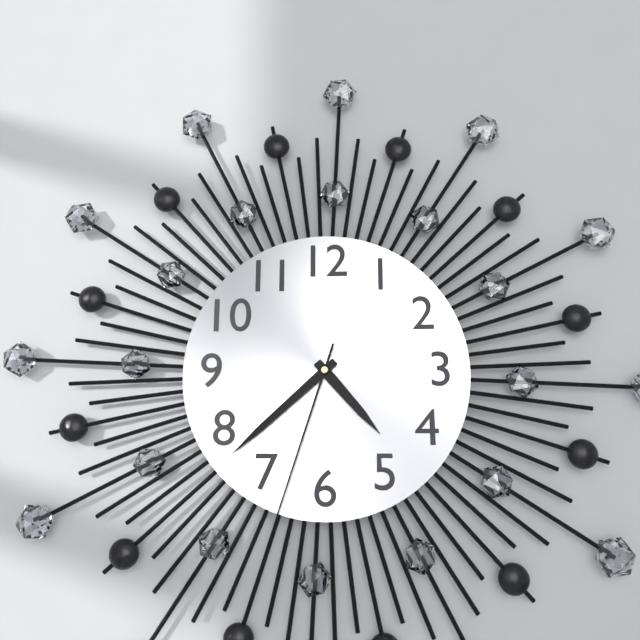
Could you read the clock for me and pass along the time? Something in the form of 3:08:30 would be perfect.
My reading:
4:38:33
